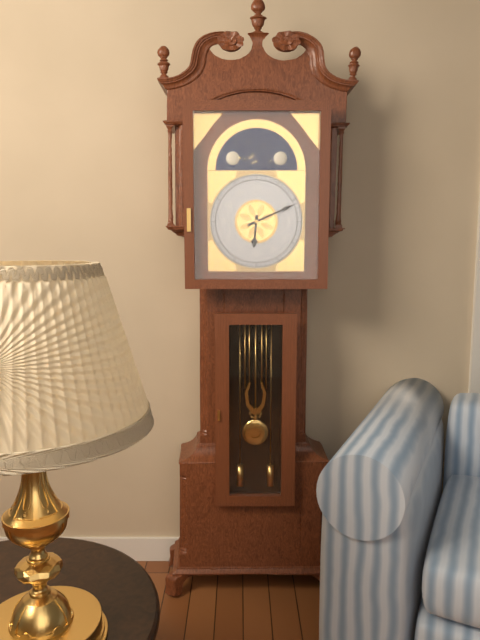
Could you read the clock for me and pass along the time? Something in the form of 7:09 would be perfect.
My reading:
6:11
